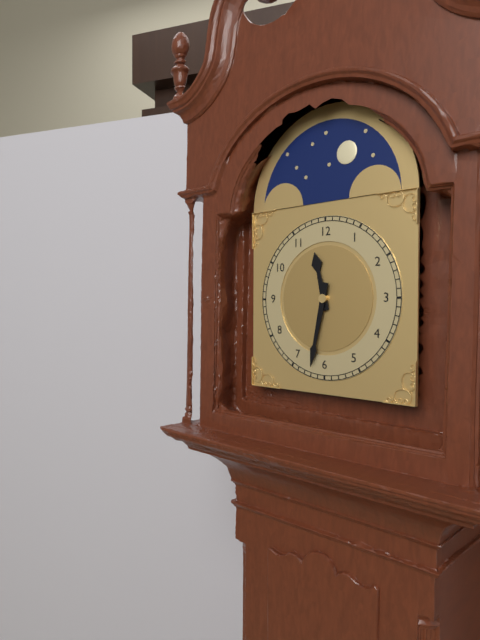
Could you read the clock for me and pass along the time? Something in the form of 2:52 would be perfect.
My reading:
11:32
